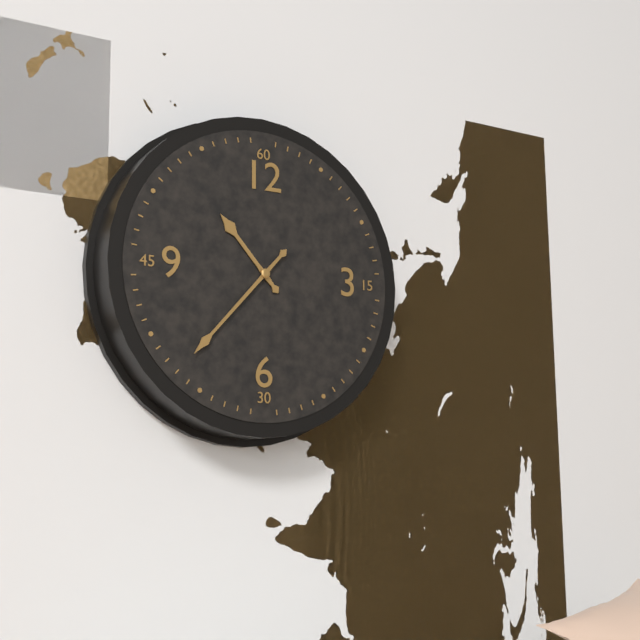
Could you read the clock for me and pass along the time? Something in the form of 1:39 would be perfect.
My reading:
10:37
